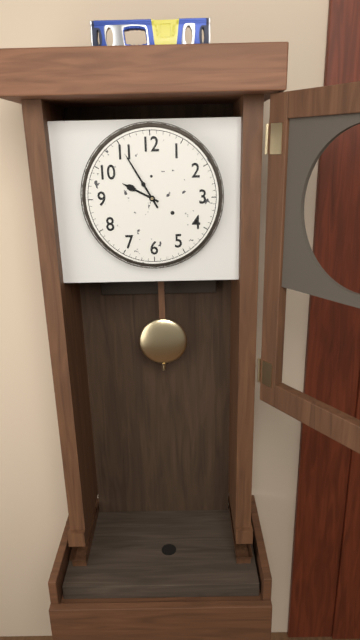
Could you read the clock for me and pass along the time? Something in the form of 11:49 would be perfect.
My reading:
9:55
